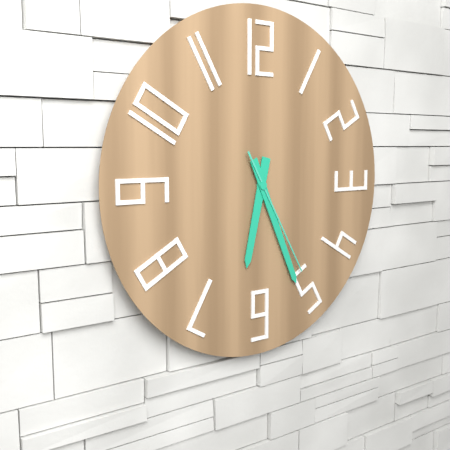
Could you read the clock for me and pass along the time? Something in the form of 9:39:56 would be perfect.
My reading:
6:26:25
